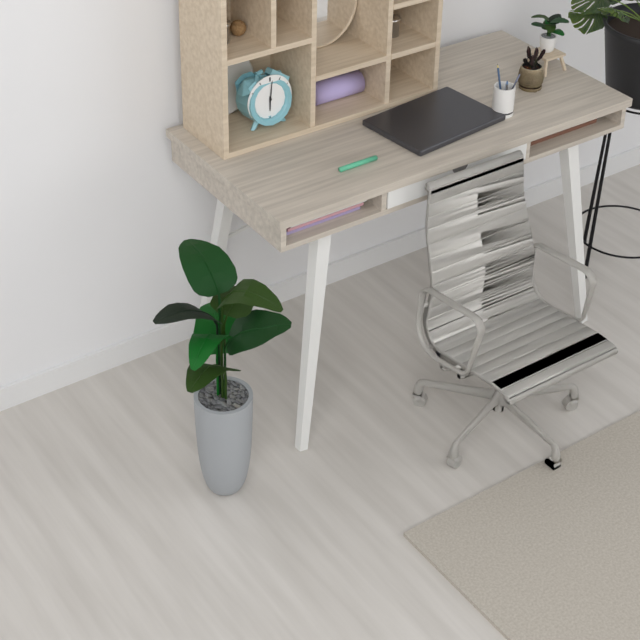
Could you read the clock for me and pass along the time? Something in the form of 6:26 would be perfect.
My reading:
6:01
